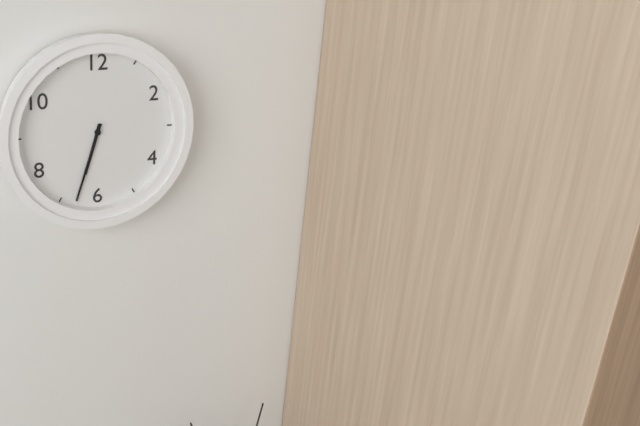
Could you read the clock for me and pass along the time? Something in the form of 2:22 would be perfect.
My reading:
6:33
